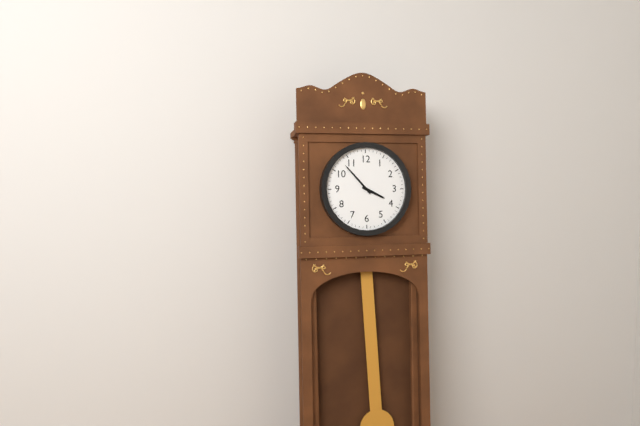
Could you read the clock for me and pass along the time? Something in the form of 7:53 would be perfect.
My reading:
3:53
